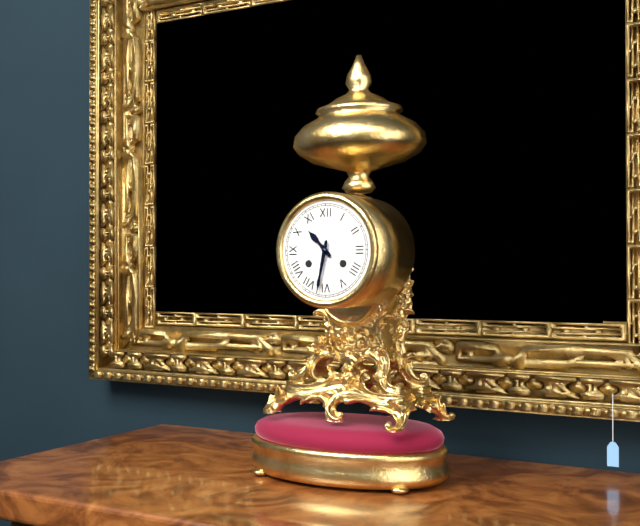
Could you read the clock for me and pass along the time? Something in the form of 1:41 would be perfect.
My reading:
10:32
